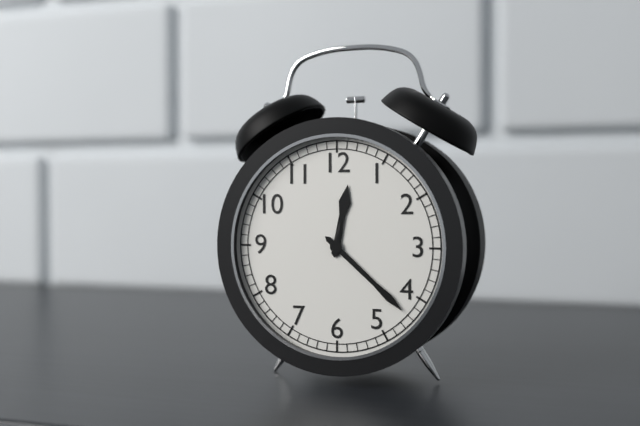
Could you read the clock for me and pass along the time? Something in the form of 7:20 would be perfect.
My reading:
12:22
